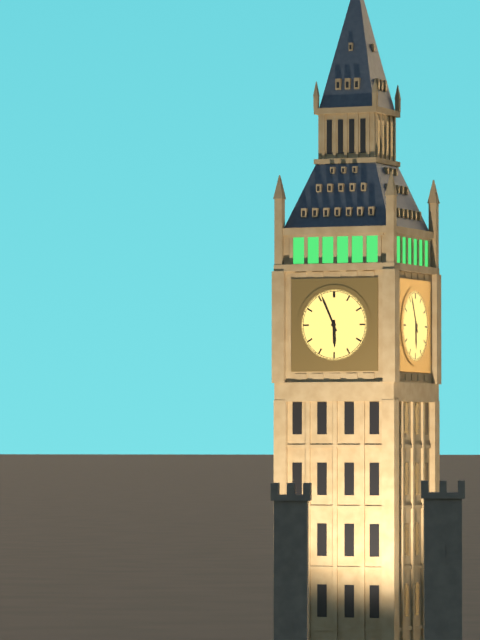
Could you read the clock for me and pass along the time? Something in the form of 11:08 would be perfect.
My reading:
5:56
